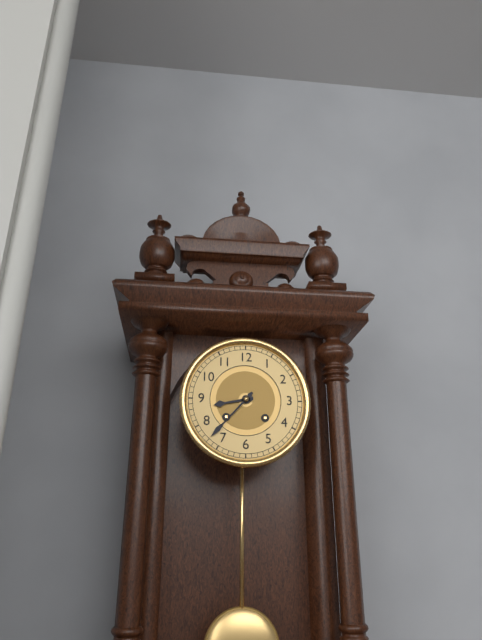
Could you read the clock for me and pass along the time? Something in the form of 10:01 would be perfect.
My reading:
8:37
